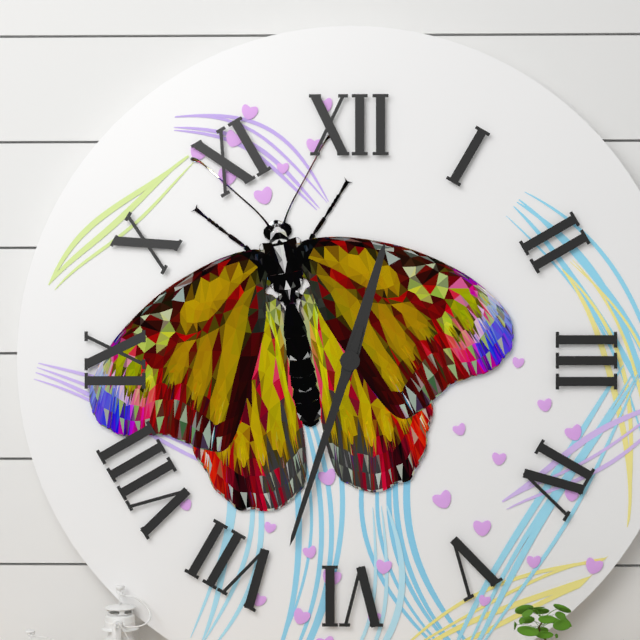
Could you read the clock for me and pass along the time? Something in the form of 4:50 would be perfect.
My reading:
12:33
